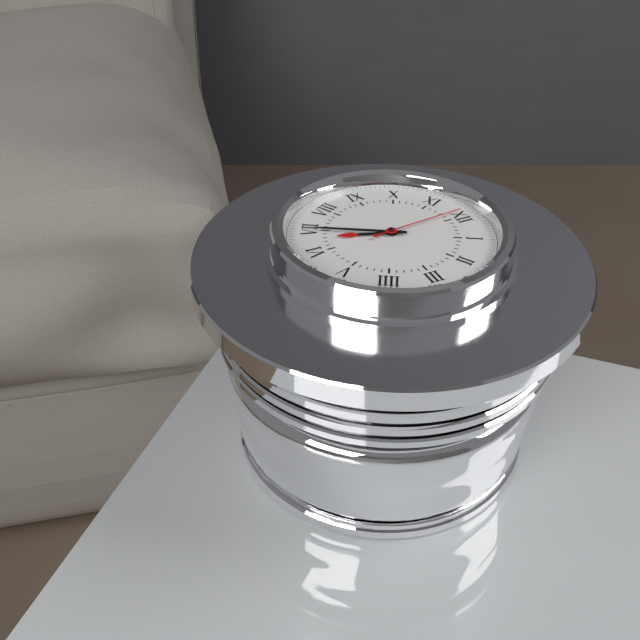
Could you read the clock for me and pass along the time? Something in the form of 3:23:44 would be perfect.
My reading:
6:35:59
